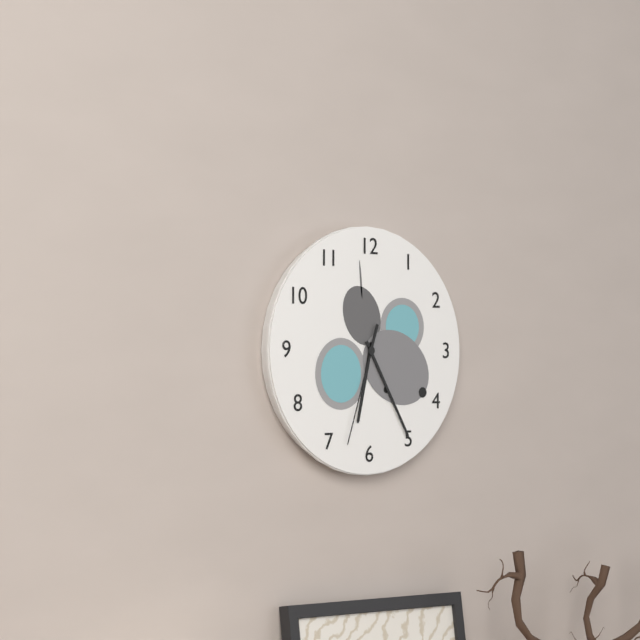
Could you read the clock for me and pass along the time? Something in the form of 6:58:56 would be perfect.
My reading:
6:25:33
